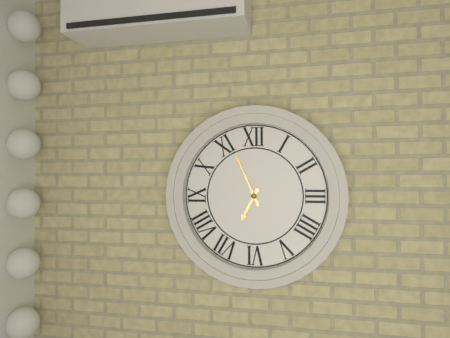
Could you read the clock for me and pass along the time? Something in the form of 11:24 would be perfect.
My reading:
6:56
